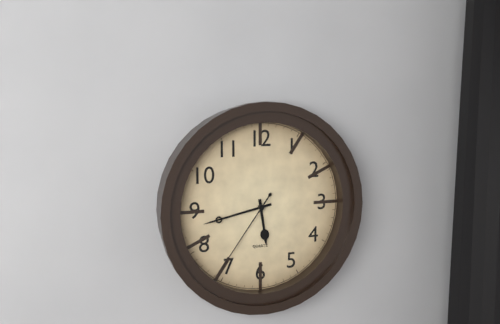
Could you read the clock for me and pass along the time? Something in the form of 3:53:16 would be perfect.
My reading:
5:43:36
